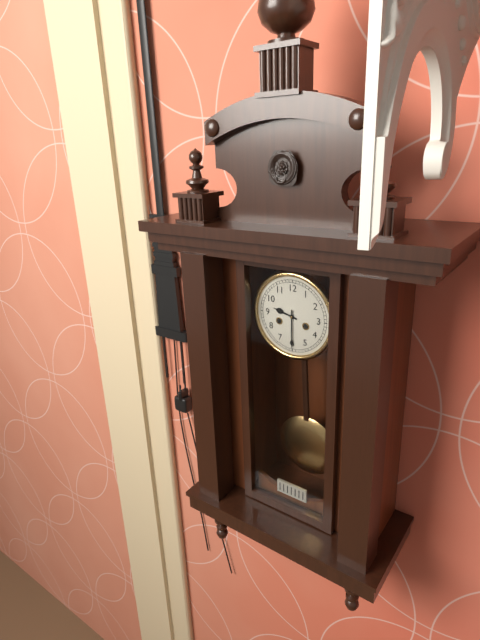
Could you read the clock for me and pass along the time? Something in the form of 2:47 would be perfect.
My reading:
9:30
